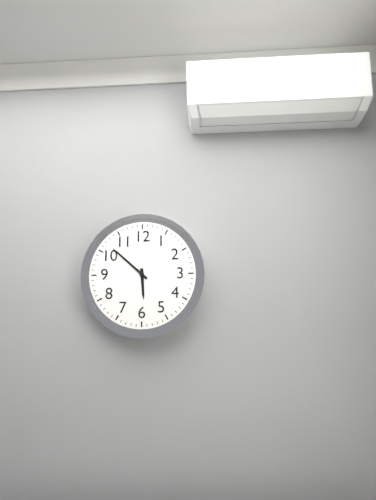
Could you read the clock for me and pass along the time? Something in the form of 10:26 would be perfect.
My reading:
5:52
